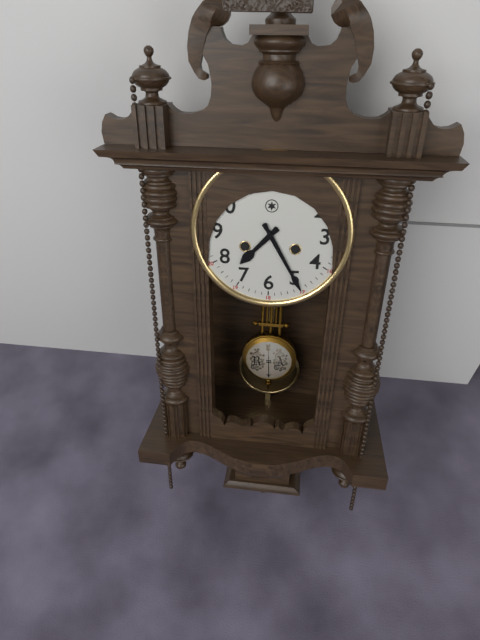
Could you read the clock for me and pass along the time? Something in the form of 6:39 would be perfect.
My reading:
7:25
